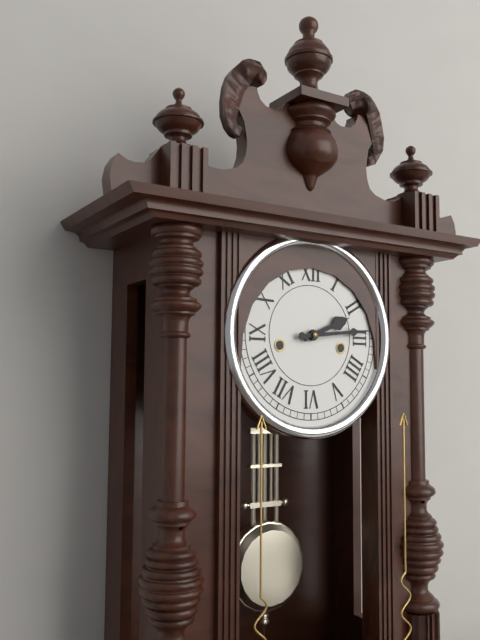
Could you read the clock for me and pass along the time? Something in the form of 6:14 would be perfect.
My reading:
2:14
